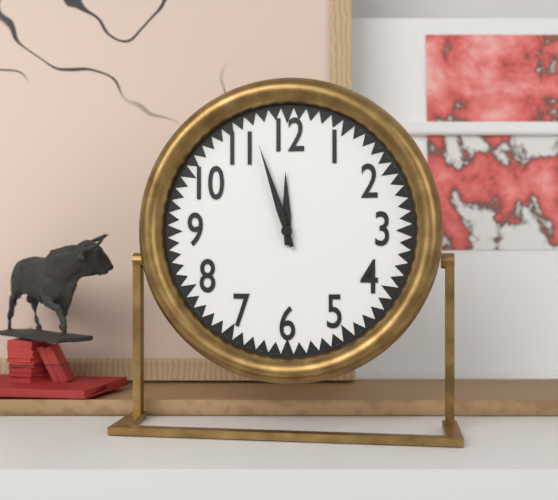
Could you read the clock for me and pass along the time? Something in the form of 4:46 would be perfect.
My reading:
11:57
